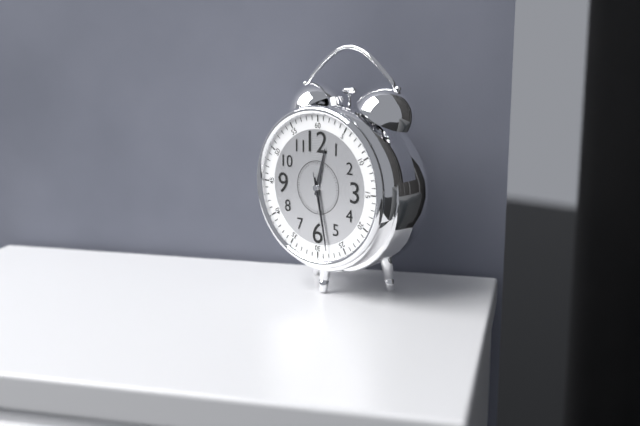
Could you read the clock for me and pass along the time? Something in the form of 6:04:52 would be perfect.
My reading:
12:28:28
